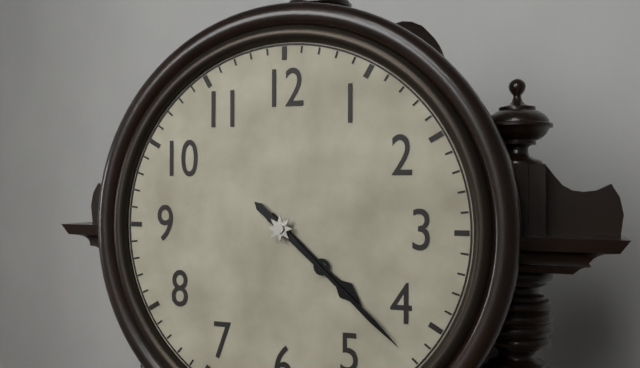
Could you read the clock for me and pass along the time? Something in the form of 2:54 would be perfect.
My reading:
4:22
